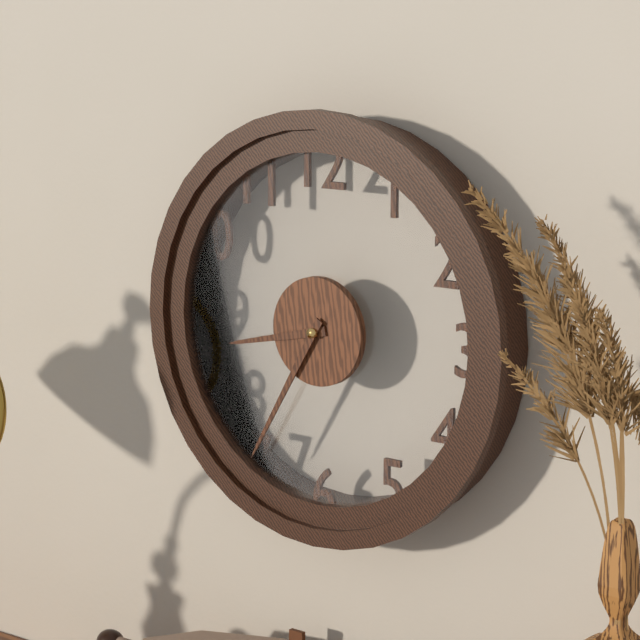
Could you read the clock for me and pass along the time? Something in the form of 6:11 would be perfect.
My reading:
8:35
